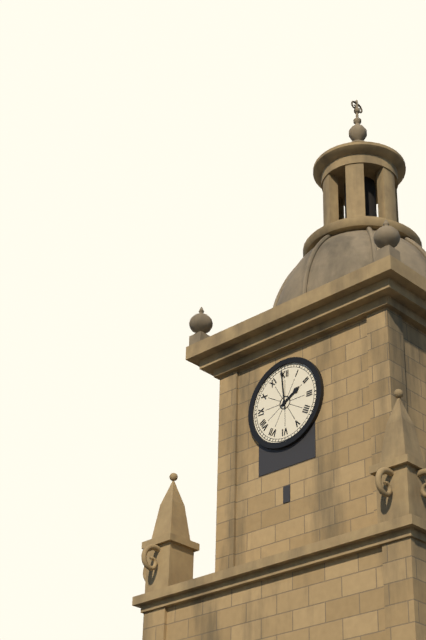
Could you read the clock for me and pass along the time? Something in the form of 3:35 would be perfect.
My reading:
1:59
